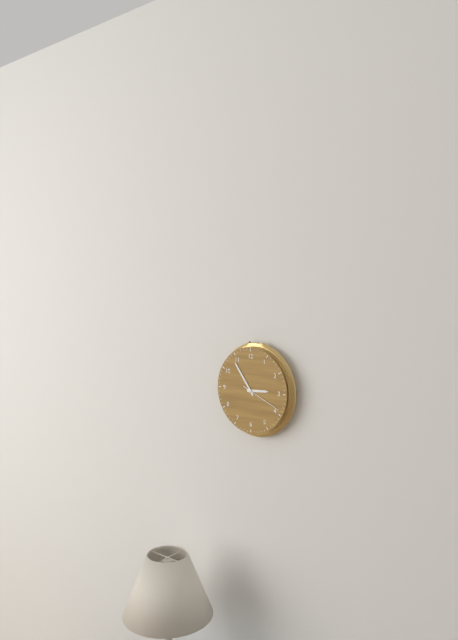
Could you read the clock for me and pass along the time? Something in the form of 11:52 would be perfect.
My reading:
2:54
